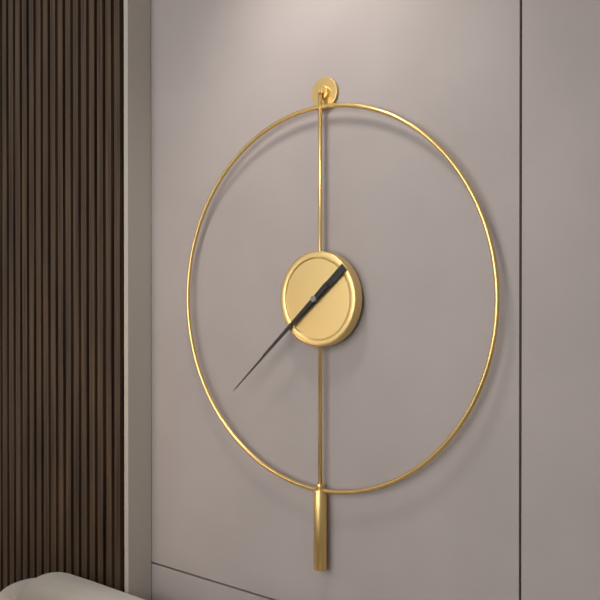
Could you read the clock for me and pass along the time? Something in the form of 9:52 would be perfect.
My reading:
7:38
